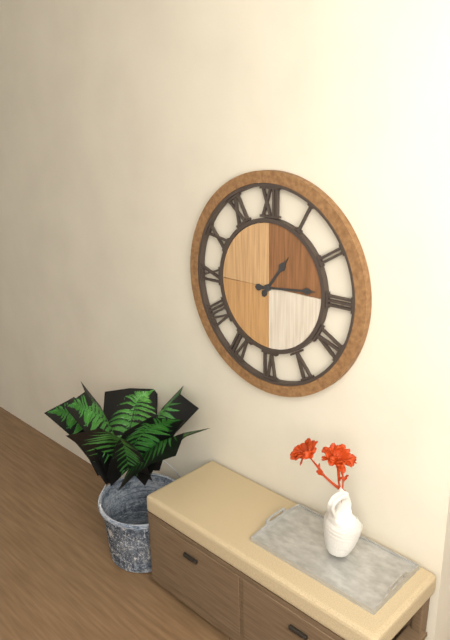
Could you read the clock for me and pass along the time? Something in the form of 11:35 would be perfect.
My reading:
1:14
